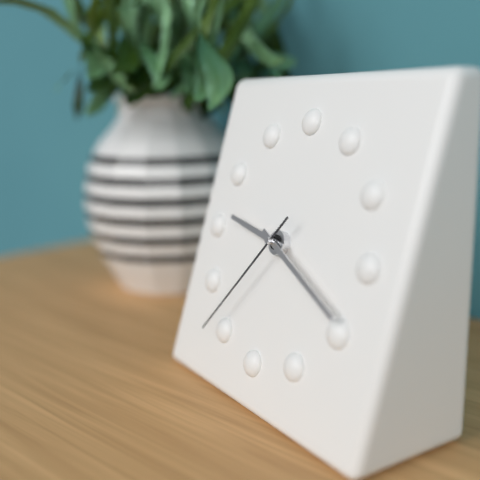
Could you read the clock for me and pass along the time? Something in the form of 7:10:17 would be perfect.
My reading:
9:19:36
